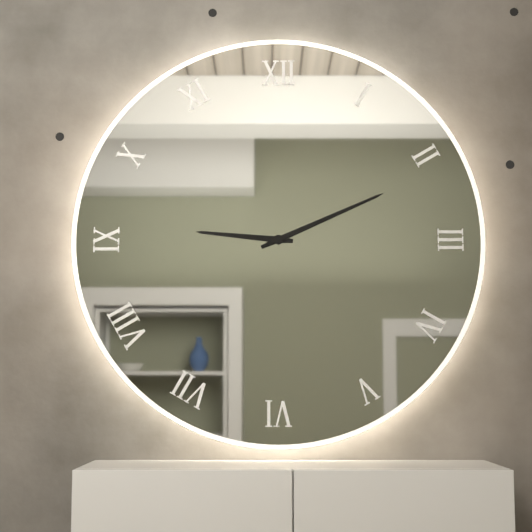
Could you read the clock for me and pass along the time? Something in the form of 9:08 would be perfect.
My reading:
9:11
